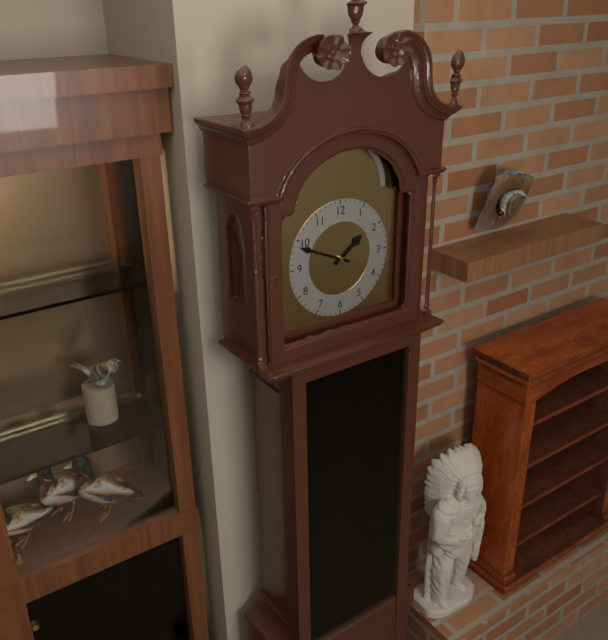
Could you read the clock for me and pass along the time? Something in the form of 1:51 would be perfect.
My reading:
1:49
